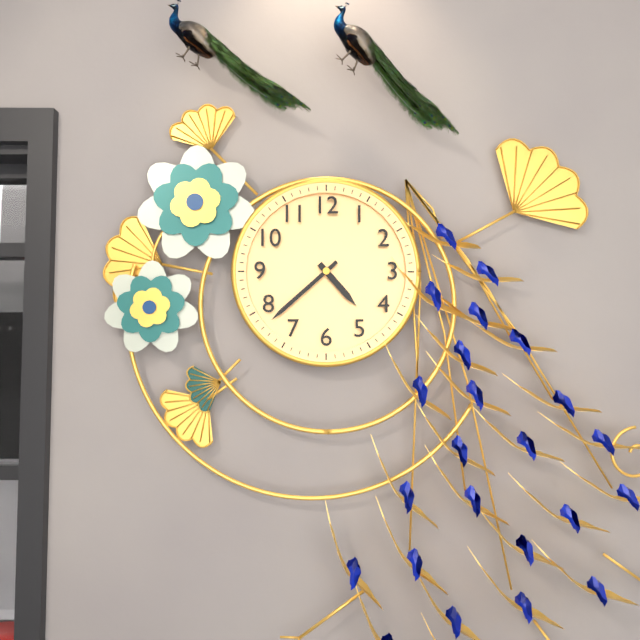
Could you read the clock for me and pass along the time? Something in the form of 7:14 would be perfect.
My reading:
4:38
